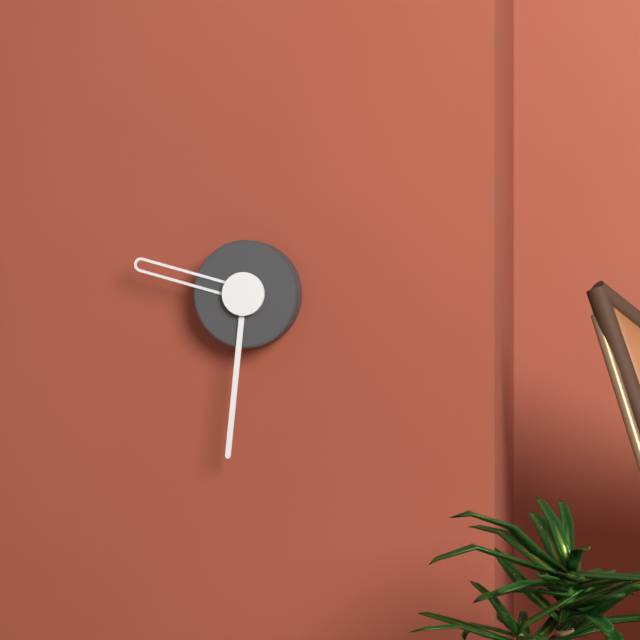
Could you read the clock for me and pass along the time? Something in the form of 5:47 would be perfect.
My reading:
9:31
